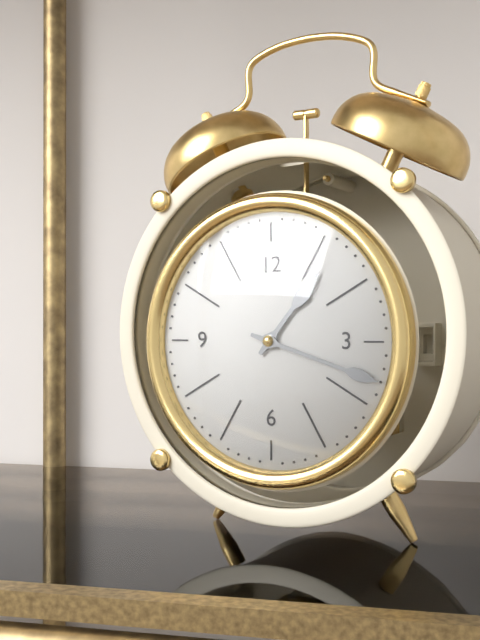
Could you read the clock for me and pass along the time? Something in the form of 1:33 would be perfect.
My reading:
1:18
